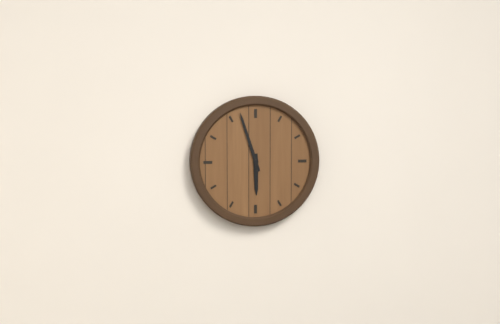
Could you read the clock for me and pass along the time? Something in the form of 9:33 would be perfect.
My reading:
5:57
